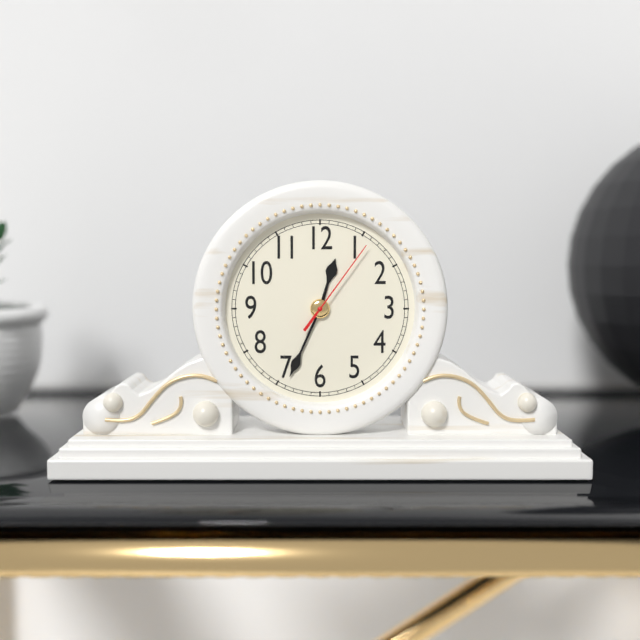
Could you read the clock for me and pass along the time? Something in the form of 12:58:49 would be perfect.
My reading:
12:34:06
